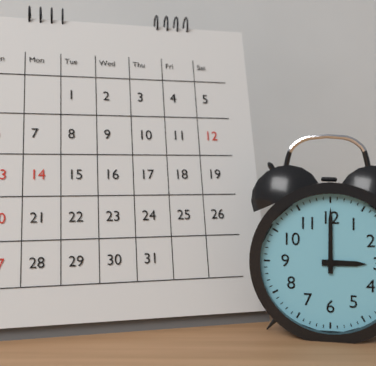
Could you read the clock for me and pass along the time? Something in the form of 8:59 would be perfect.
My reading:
3:00
